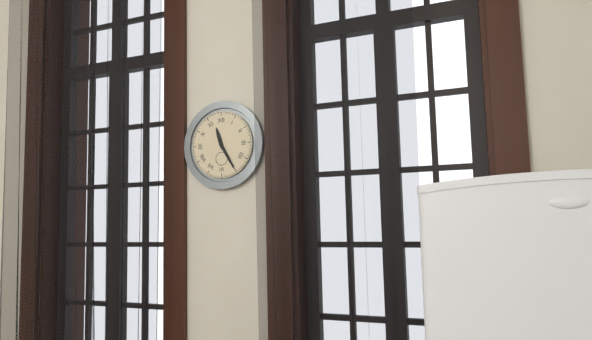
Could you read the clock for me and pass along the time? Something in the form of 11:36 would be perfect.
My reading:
11:25
